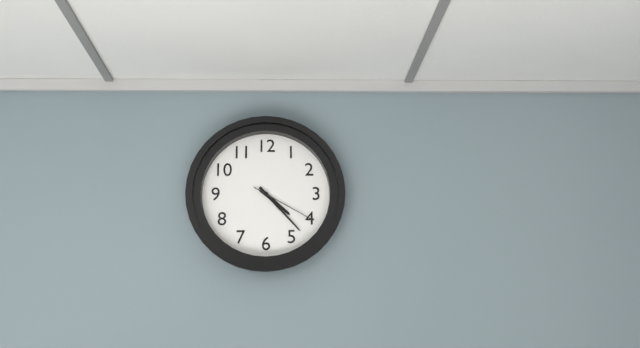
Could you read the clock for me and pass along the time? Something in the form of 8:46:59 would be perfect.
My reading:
4:23:20
